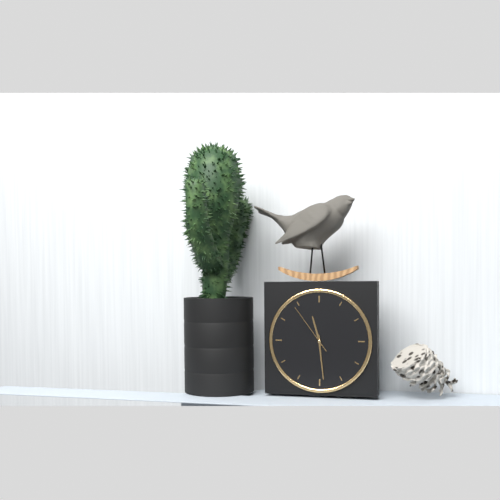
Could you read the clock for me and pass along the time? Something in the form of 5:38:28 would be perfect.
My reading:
11:29:54
